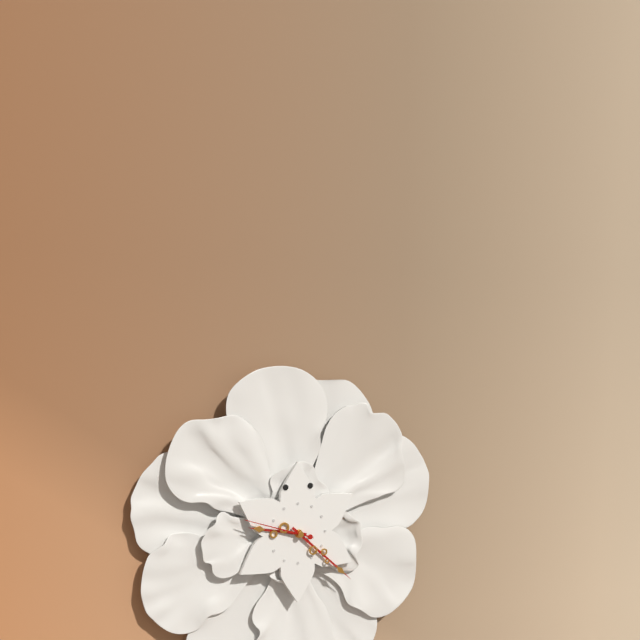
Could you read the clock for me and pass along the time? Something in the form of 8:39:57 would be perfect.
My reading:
9:22:48
